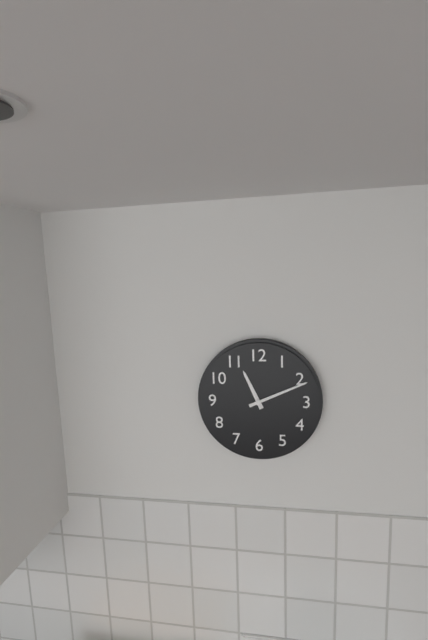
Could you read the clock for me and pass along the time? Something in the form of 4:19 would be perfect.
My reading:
11:11
